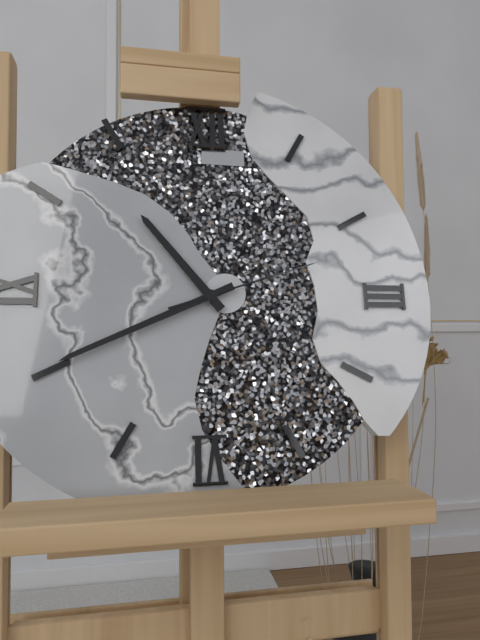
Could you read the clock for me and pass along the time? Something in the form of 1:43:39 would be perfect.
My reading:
10:41:12
